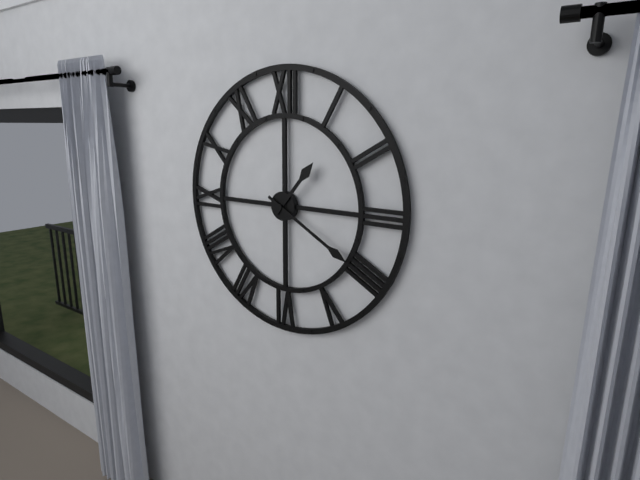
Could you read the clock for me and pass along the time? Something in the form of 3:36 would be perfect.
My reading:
1:20
